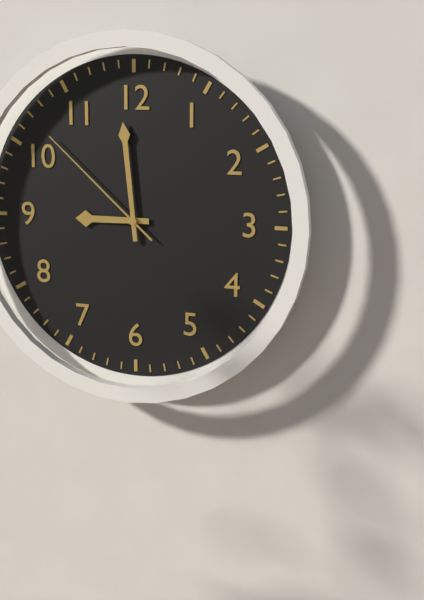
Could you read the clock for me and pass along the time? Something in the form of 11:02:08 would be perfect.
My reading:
8:59:52
